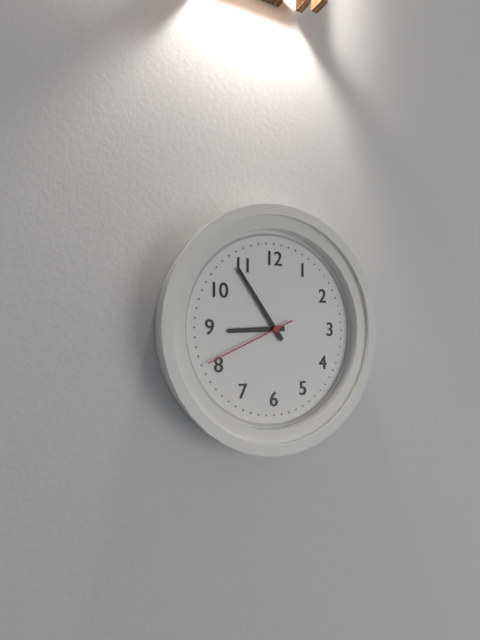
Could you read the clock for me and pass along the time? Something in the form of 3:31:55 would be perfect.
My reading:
8:54:41
